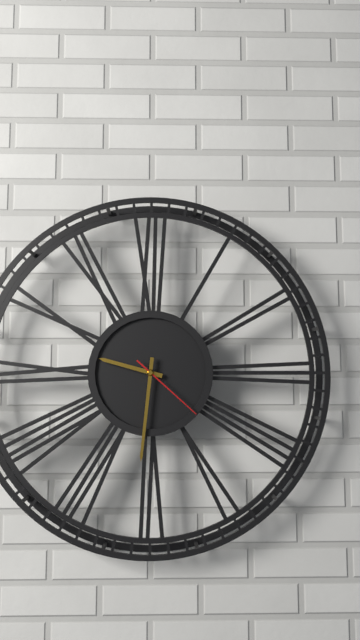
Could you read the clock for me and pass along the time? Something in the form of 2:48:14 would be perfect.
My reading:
9:31:22
